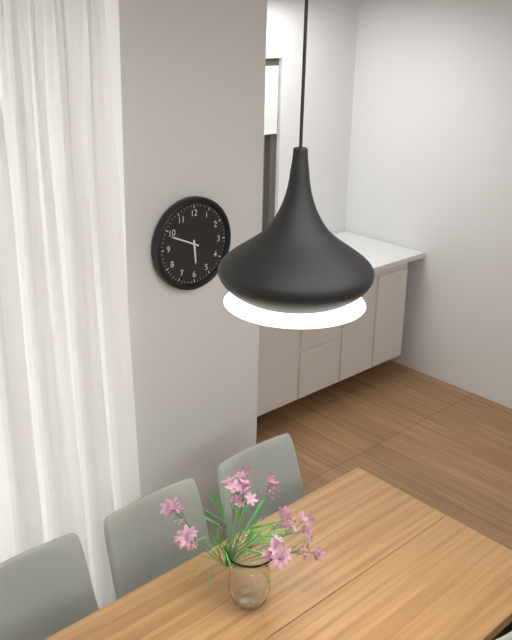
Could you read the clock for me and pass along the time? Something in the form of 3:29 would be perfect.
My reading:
5:49
